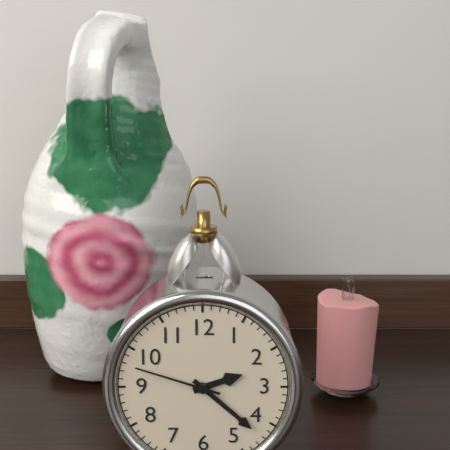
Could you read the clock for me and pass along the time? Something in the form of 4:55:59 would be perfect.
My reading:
2:22:48
